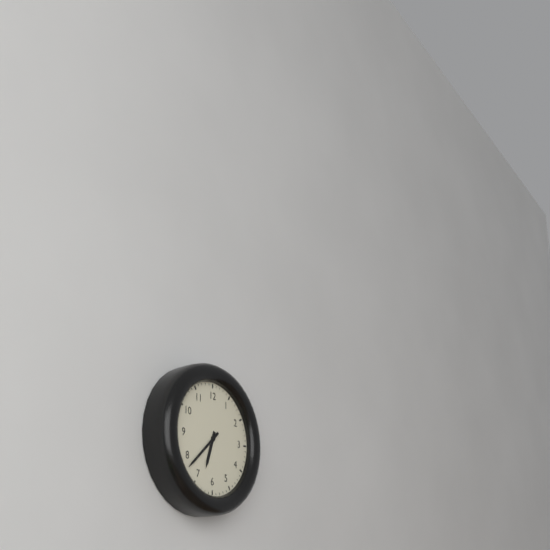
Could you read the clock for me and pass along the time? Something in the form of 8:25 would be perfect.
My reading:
6:38
